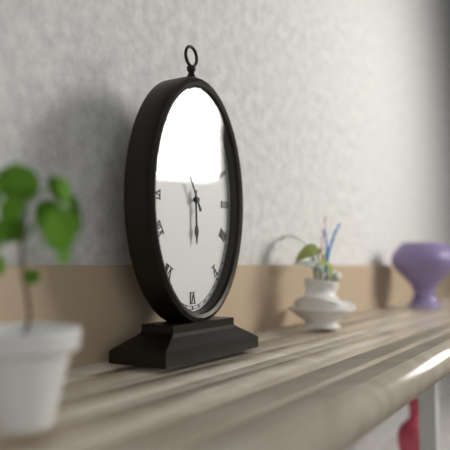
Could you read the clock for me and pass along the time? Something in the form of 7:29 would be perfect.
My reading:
5:55
